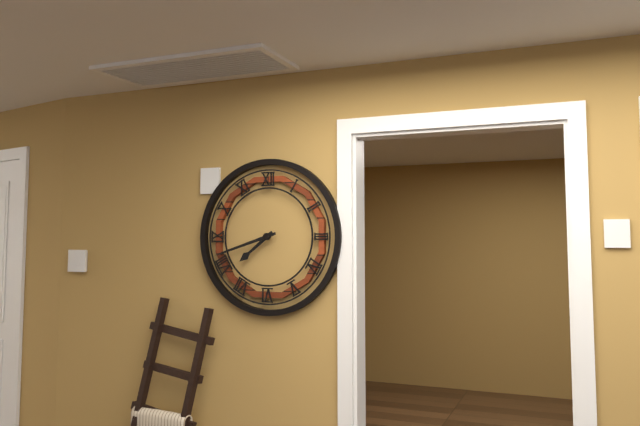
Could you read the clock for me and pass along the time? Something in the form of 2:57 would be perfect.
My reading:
7:42
